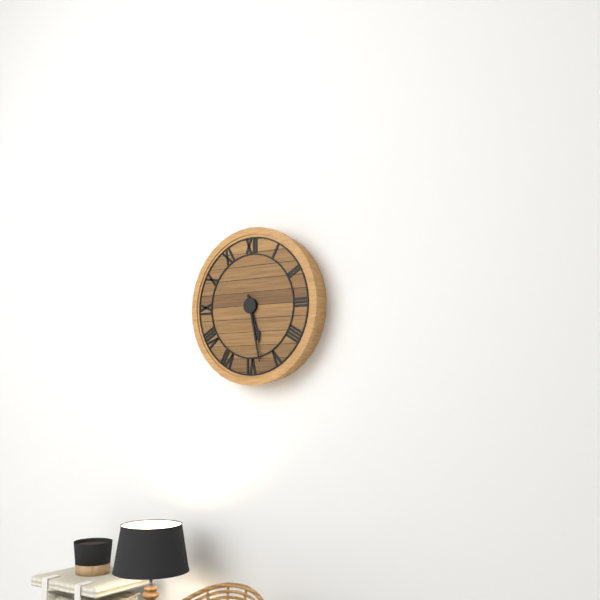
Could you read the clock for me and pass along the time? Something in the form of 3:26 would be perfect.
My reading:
5:28
